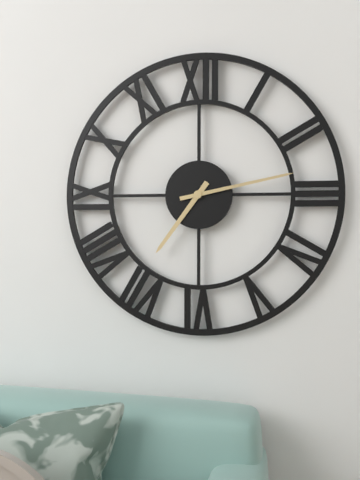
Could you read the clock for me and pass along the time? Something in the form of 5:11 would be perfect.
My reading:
7:13
